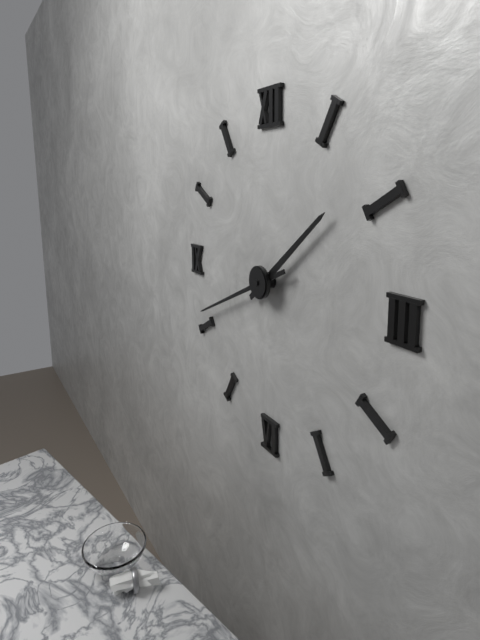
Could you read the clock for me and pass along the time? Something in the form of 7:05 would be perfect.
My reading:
1:41
